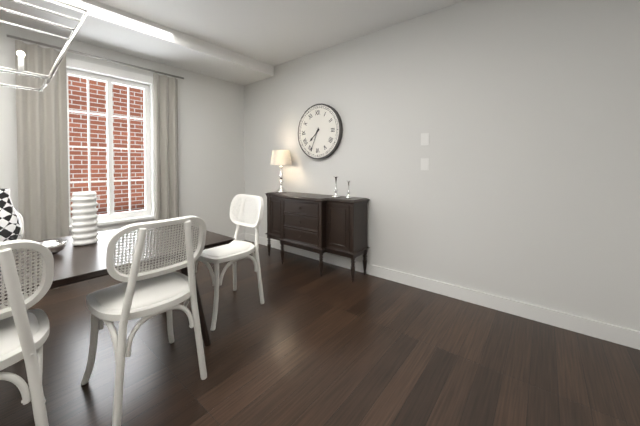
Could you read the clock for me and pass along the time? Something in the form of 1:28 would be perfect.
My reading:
7:34
